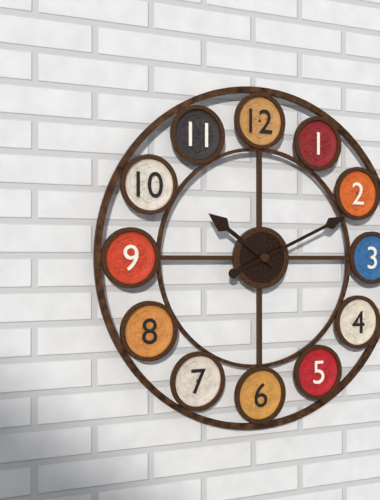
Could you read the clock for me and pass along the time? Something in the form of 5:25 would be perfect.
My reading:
10:11
